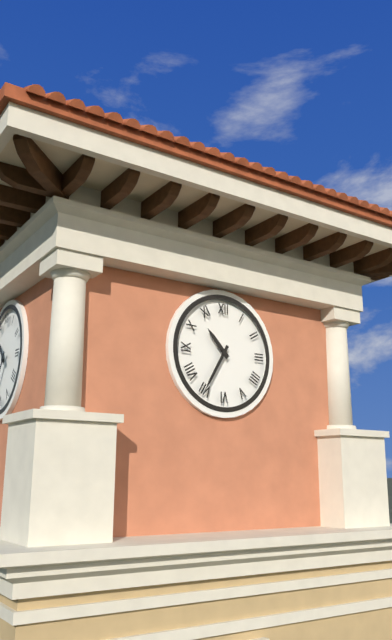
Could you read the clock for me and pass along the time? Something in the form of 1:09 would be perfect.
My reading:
10:35
